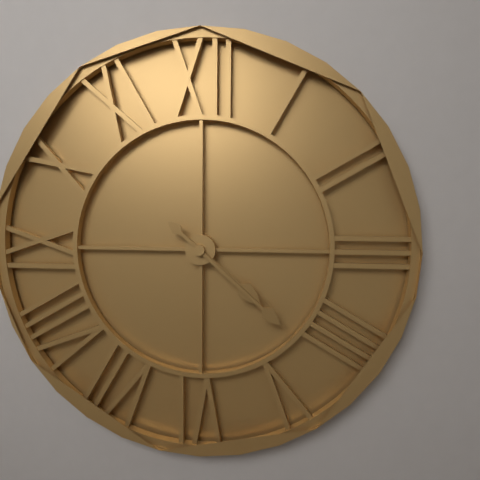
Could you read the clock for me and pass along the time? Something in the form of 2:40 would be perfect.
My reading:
4:22
